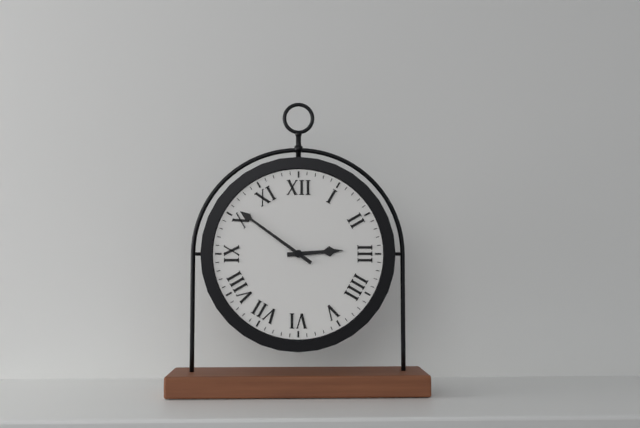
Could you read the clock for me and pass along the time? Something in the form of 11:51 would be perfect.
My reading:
2:51
